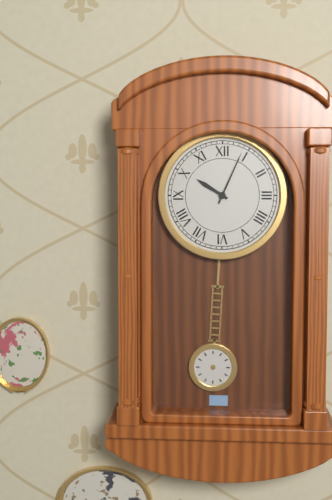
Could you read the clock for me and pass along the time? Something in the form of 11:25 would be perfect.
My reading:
10:04
